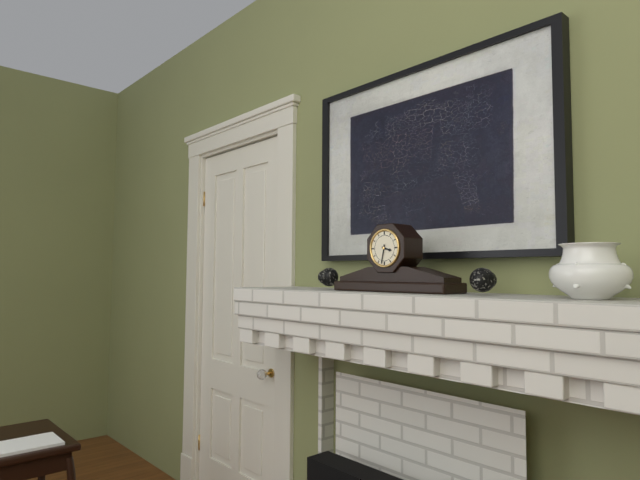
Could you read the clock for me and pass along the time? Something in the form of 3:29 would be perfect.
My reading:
3:32
